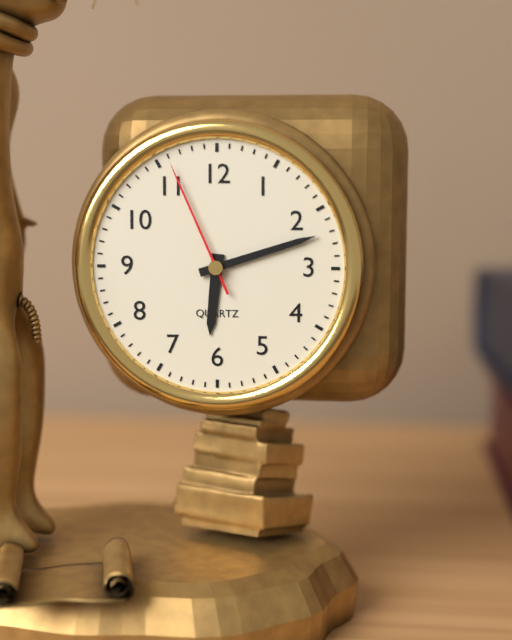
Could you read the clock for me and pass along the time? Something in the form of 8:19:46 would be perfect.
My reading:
6:12:56
